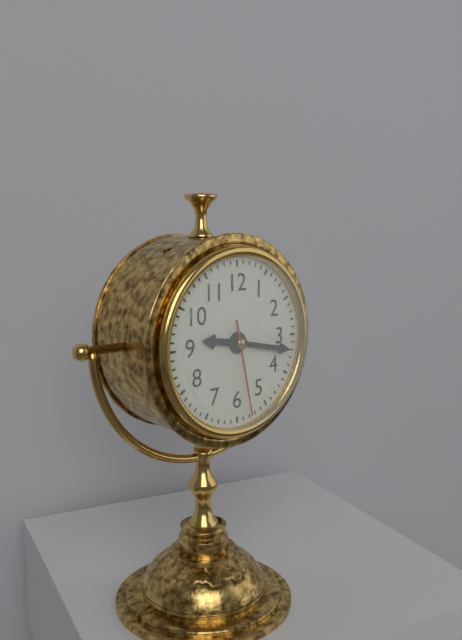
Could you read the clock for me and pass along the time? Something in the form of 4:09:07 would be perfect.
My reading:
9:17:28
